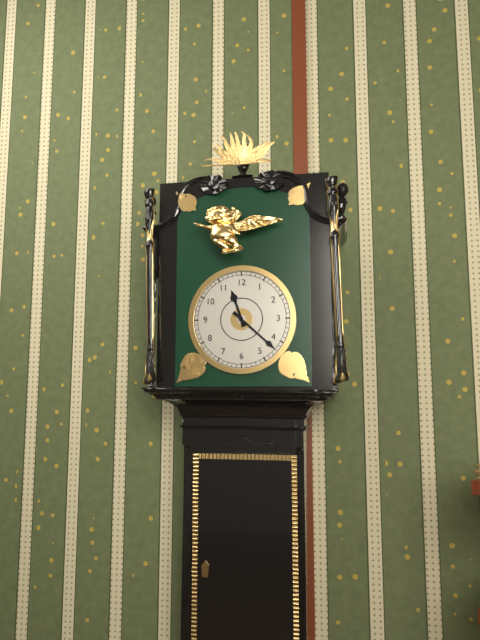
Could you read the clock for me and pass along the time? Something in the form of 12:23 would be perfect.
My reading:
11:22
